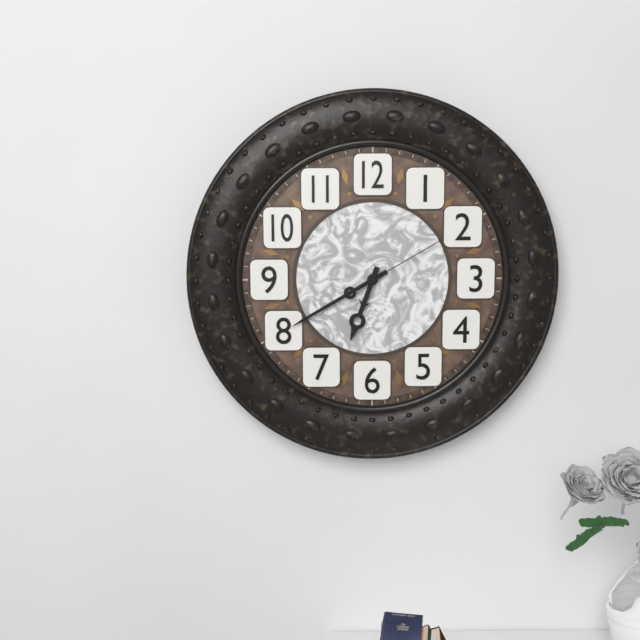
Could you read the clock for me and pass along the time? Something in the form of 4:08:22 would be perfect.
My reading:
6:40:10
